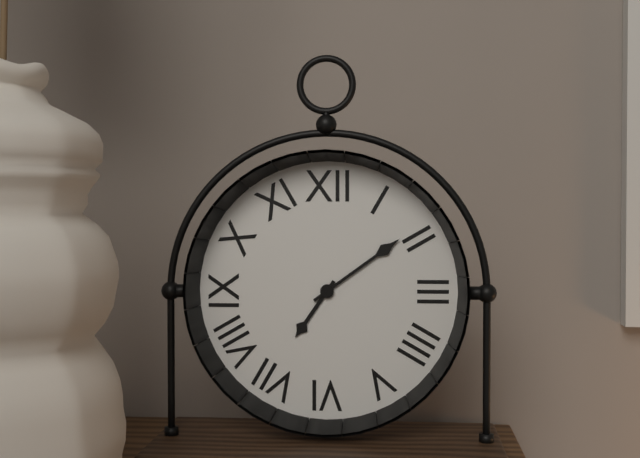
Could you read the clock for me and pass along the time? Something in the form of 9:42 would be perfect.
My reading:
7:09
